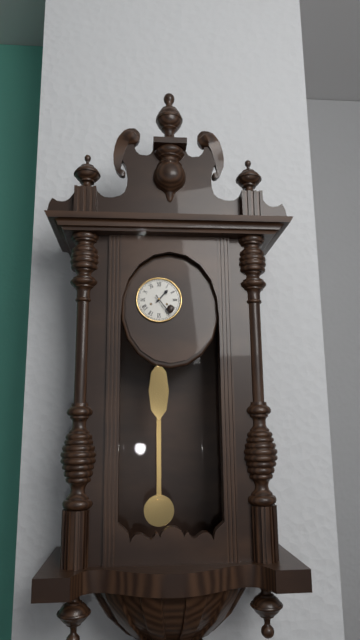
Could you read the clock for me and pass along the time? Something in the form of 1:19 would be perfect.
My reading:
1:24
